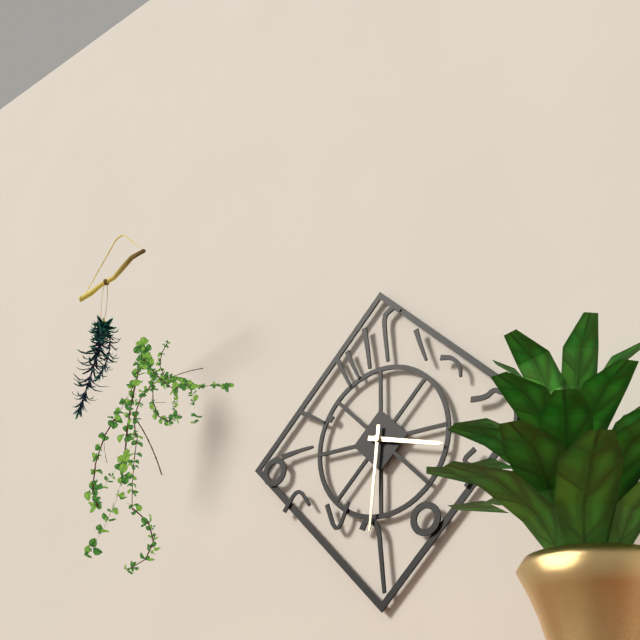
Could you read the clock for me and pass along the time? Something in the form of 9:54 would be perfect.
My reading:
3:31
